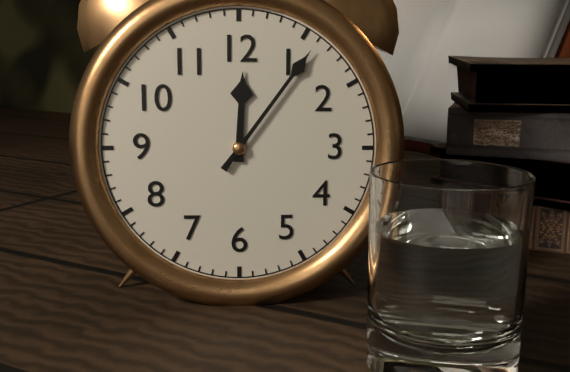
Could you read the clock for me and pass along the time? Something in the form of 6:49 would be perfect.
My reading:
12:06
